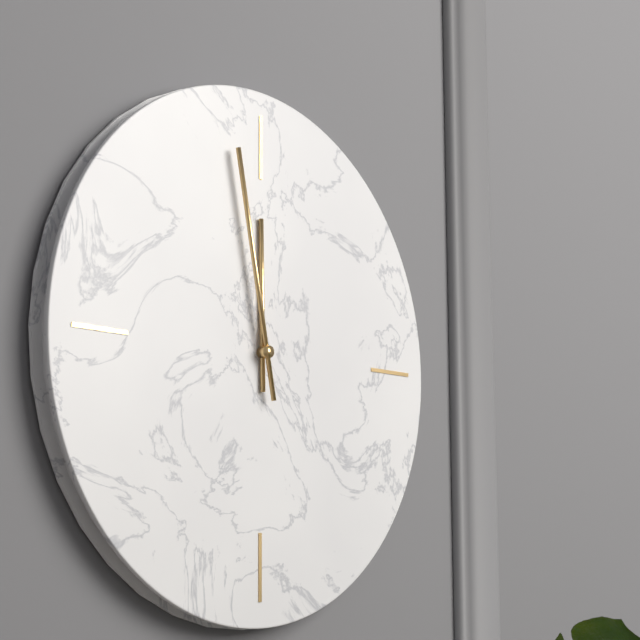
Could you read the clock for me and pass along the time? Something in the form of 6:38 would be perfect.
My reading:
11:58
